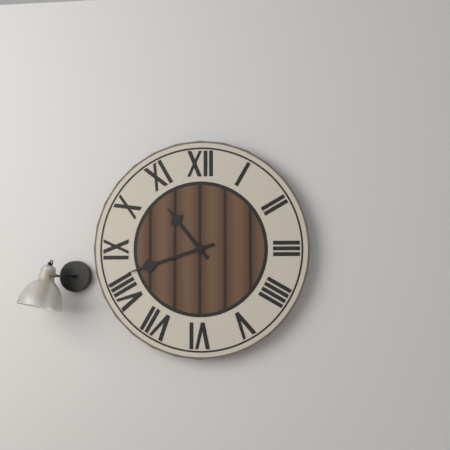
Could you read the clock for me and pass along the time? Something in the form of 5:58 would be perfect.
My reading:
10:42
